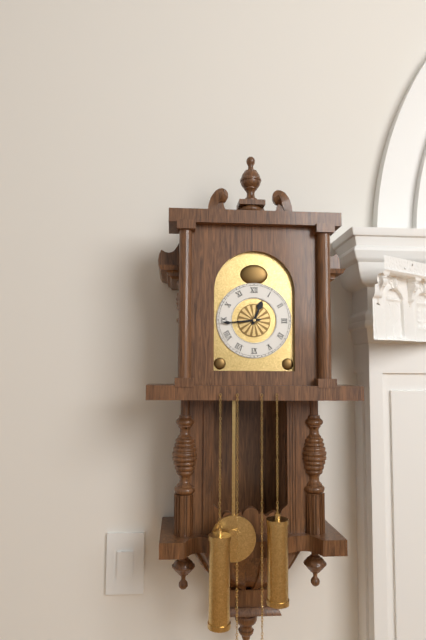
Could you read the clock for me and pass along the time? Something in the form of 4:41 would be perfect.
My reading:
12:44
